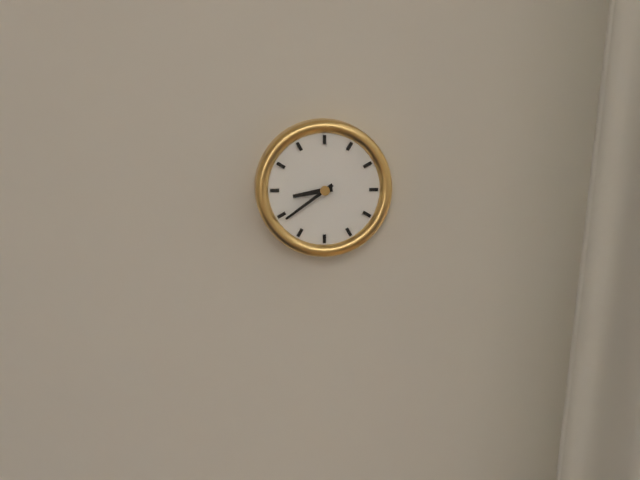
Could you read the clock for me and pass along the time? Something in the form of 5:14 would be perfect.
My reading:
8:39
